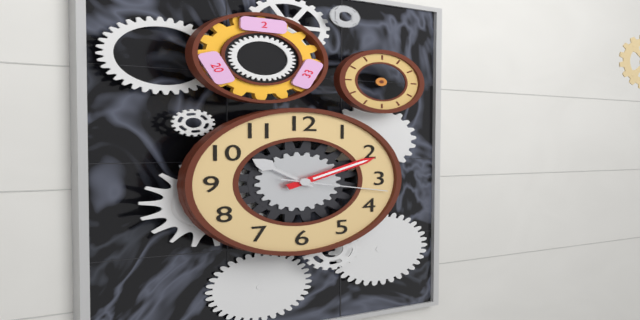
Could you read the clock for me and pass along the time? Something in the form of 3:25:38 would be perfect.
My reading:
10:11:17
